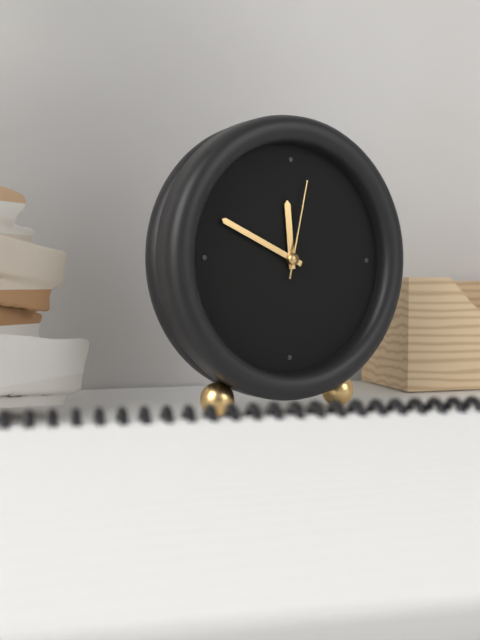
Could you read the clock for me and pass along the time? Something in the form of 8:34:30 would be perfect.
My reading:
11:49:02
